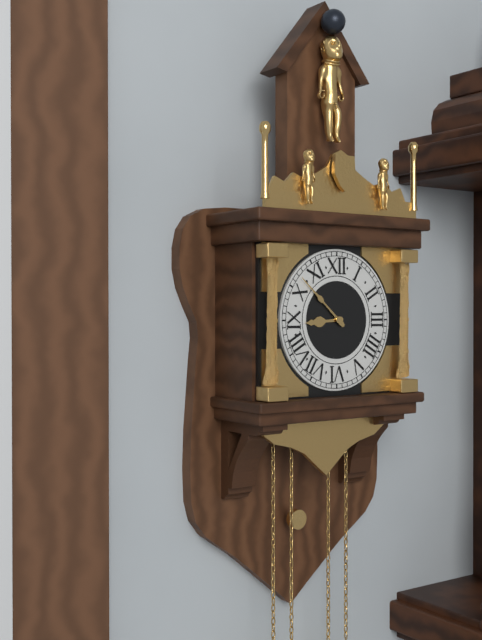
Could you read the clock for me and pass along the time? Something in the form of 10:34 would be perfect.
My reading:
8:52
